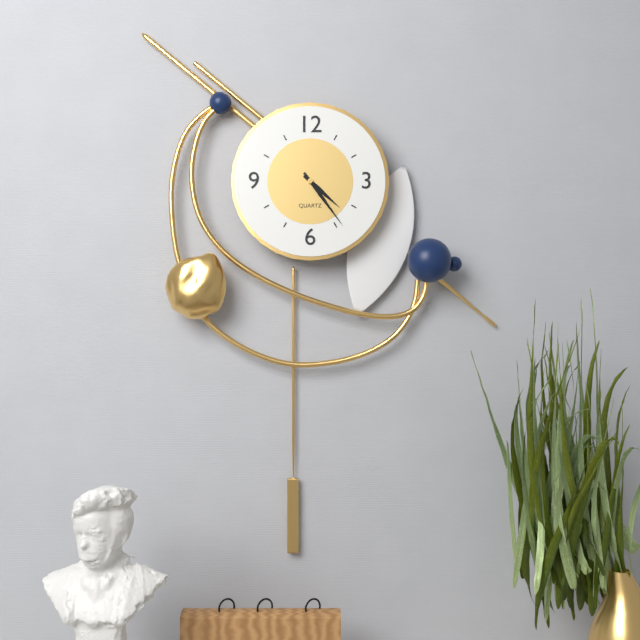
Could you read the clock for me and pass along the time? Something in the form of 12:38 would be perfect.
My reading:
4:24
